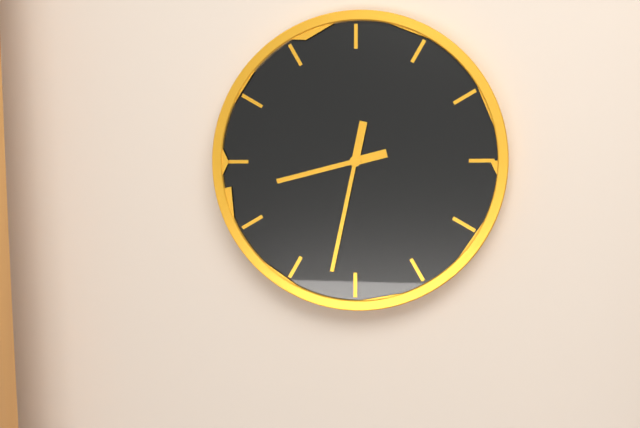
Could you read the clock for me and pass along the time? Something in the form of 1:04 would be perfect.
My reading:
8:32
